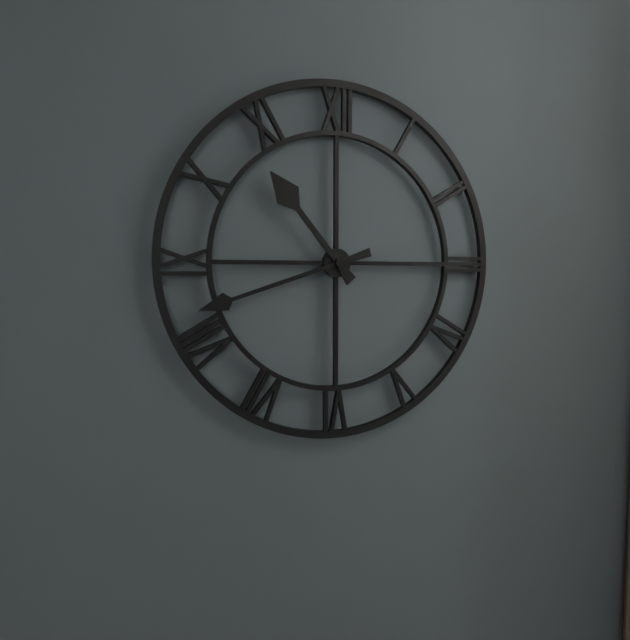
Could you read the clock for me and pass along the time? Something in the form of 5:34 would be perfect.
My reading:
10:42
